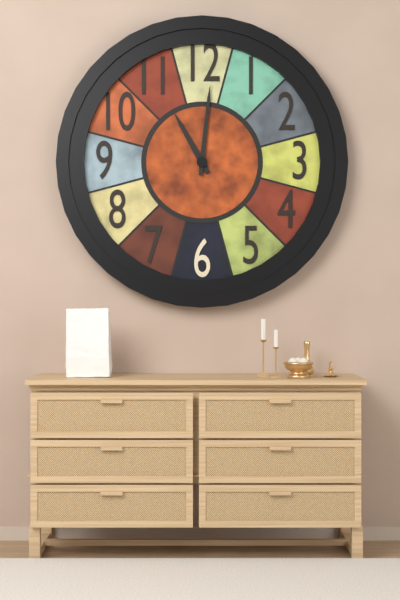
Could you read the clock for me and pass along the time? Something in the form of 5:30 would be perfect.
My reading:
11:01
